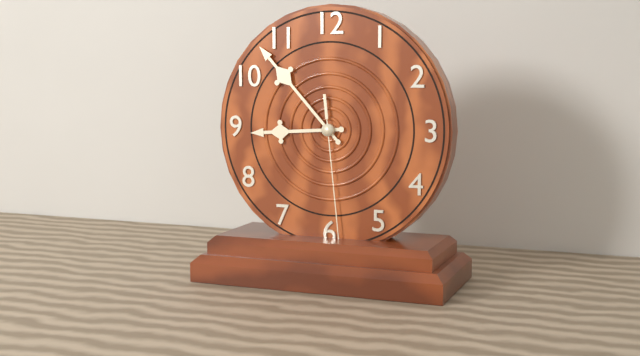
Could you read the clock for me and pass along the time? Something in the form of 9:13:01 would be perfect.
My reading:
8:53:29
